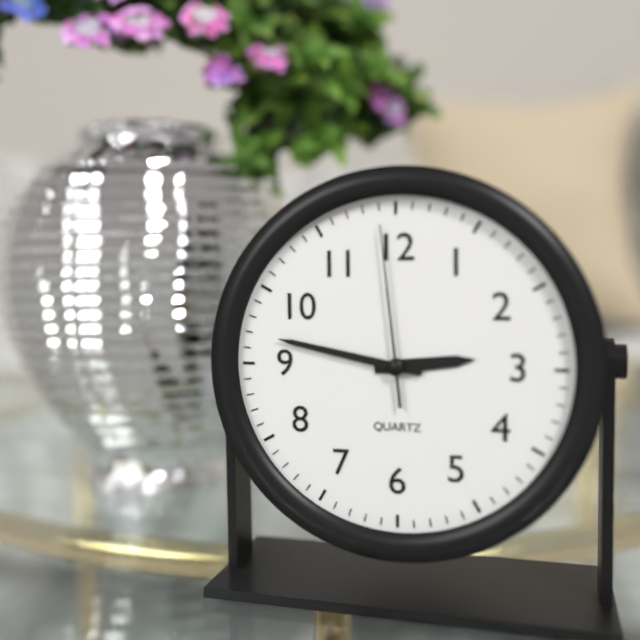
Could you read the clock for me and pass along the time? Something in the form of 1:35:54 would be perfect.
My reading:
2:47:59
